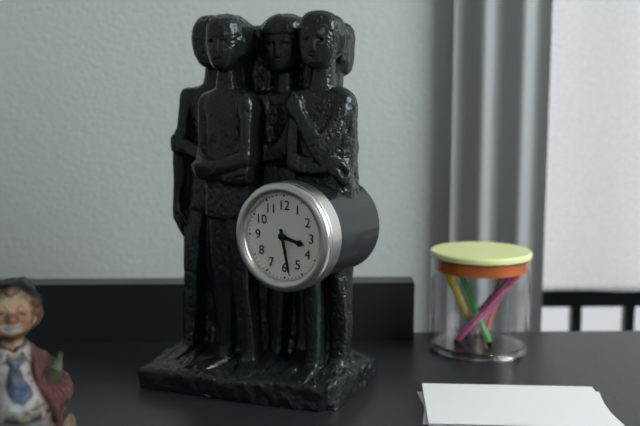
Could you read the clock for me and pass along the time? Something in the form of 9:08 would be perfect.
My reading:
3:28
